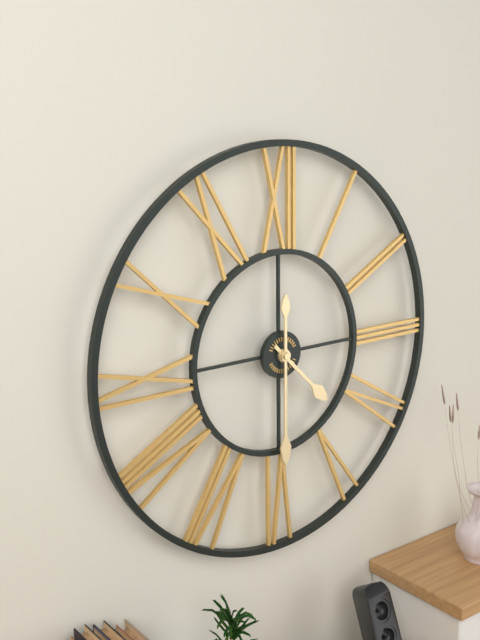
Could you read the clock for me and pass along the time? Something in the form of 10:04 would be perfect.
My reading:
4:30
